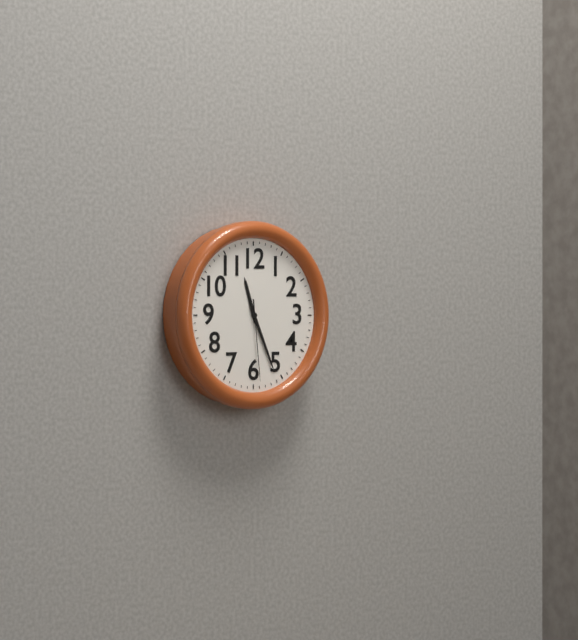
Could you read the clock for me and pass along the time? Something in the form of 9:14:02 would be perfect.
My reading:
11:26:29
